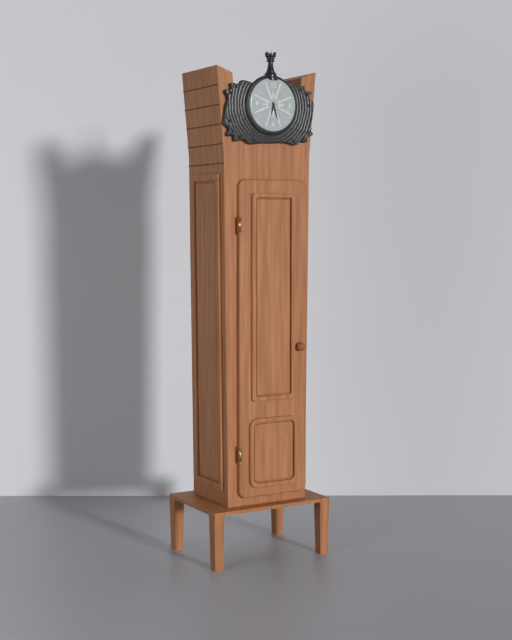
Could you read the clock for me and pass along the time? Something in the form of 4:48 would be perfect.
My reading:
6:27
